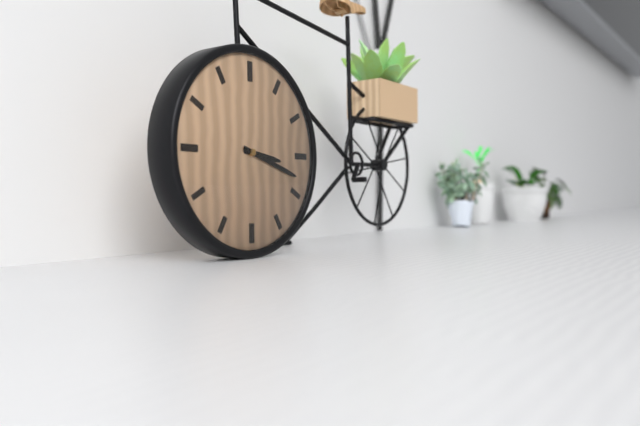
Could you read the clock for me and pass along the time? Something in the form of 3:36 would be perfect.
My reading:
3:18
